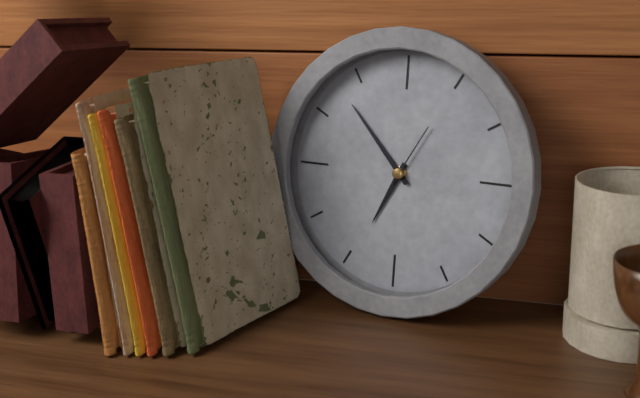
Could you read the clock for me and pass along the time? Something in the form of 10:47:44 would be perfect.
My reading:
6:53:05
